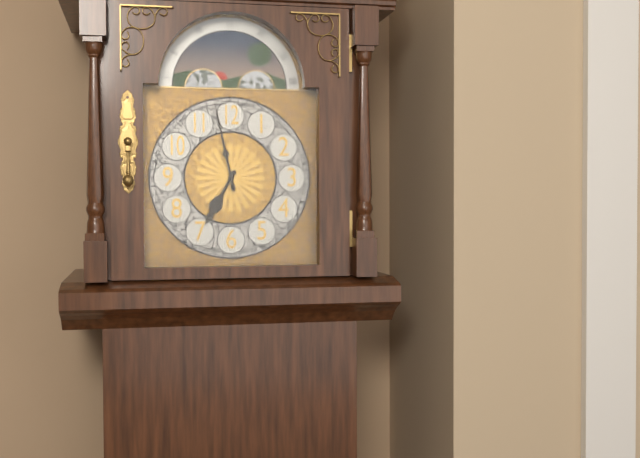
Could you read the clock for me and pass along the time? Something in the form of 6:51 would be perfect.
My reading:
6:58
